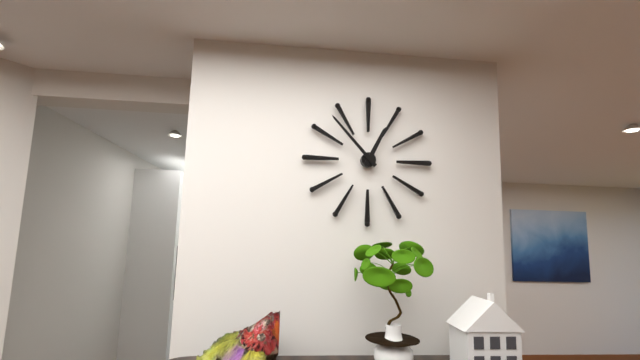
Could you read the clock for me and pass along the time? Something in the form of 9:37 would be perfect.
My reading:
12:53
